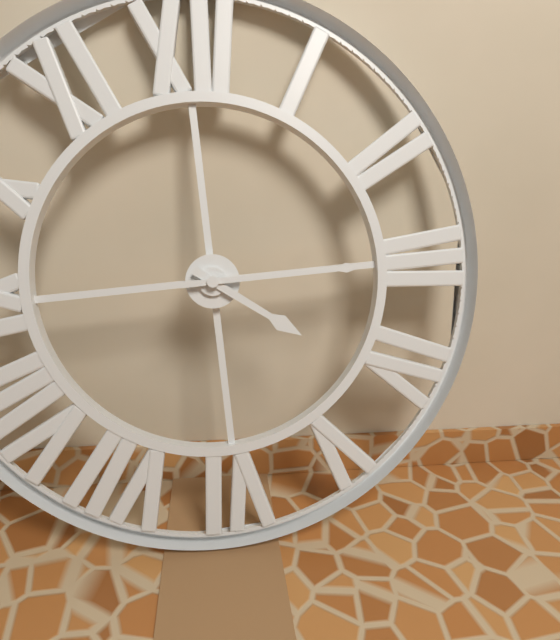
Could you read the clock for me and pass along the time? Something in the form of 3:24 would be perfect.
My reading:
4:15
